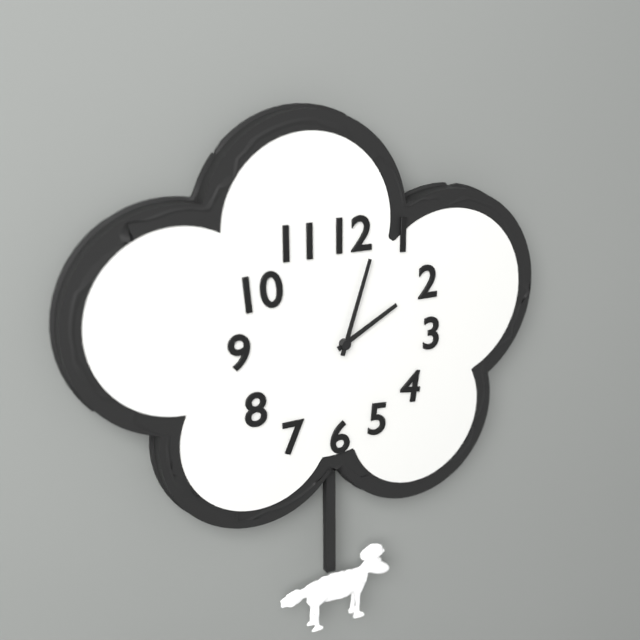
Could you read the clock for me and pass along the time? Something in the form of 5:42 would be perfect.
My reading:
2:03
